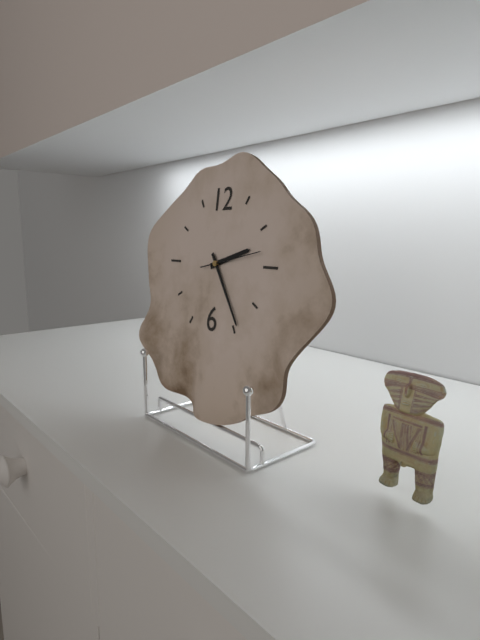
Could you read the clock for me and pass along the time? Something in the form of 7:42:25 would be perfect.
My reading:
2:24:13
